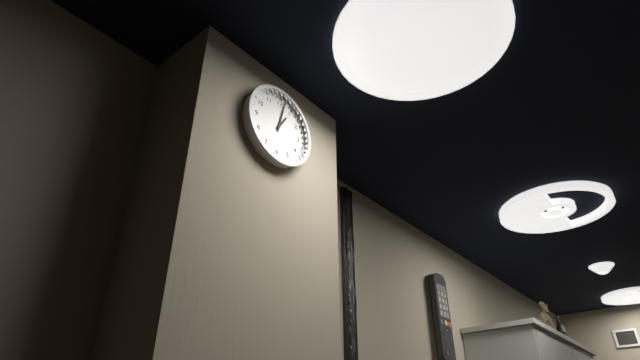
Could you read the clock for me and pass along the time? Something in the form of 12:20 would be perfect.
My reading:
1:02
